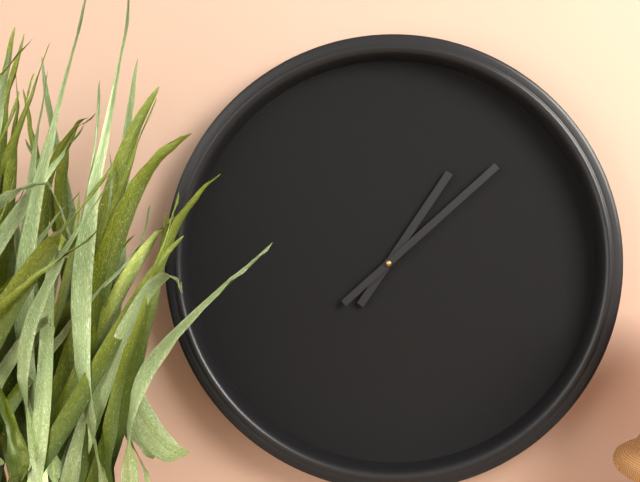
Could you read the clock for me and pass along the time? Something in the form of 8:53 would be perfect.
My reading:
1:08
